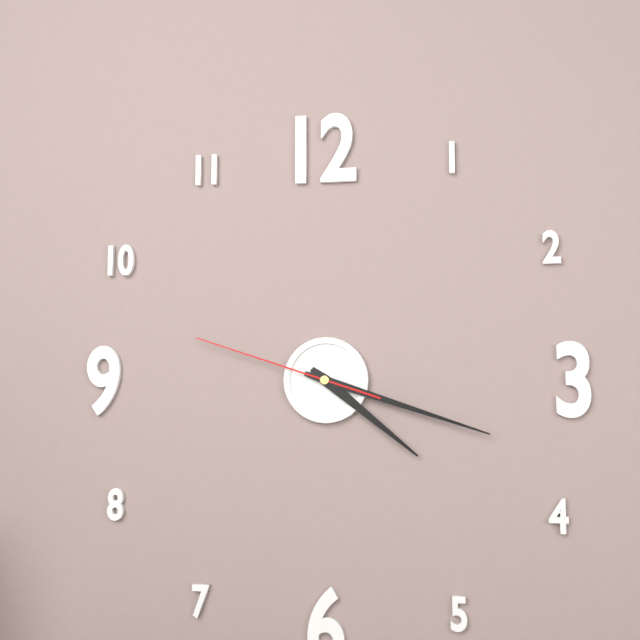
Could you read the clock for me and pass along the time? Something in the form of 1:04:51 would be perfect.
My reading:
4:18:48
